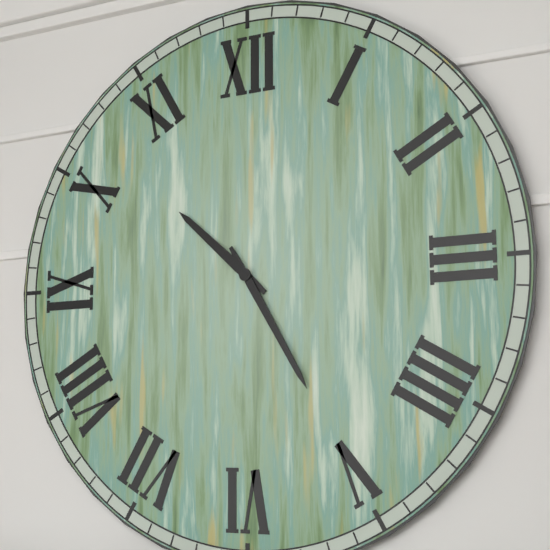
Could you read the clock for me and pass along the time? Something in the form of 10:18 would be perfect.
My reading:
10:25
